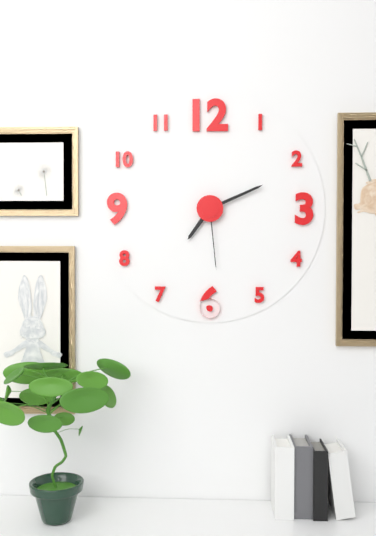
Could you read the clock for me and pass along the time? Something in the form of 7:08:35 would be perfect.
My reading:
7:11:29
